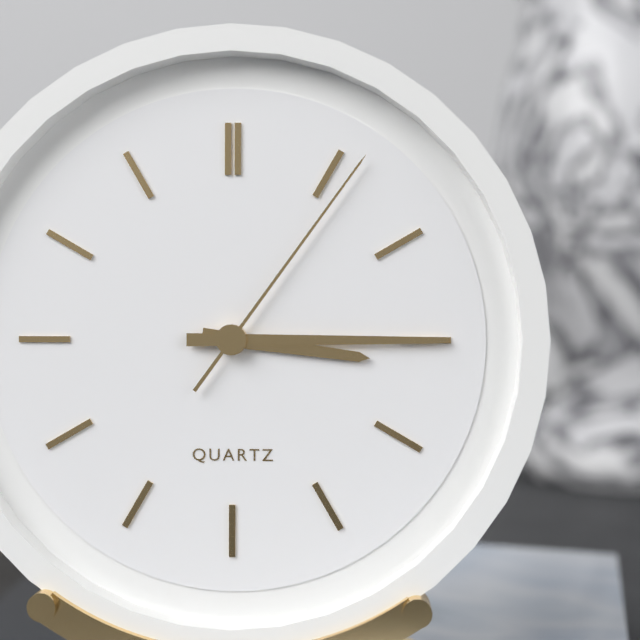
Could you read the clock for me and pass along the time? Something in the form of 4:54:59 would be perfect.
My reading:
3:15:06
